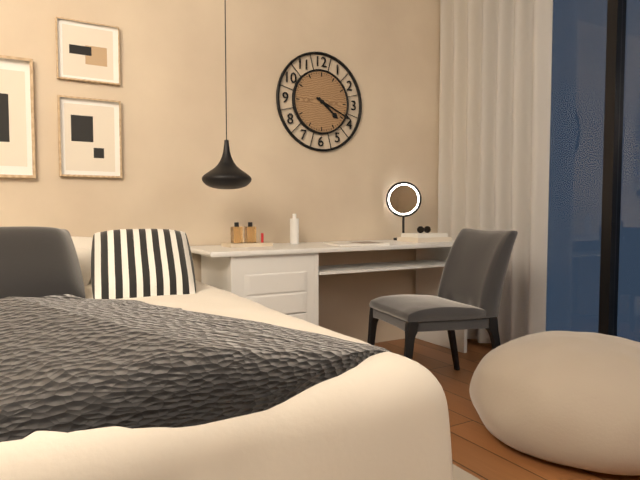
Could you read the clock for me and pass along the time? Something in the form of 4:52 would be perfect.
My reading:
4:19
